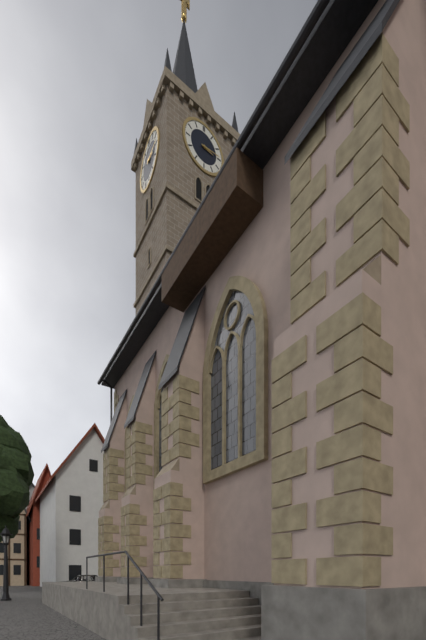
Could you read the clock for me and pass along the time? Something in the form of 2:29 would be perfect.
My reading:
3:14
